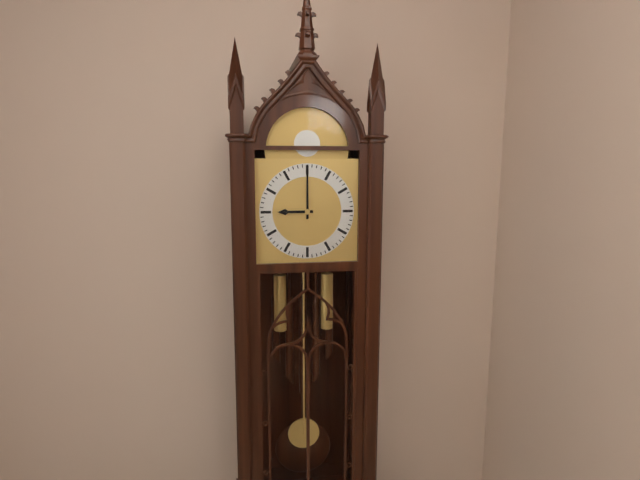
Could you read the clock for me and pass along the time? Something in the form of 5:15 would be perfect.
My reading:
9:00
